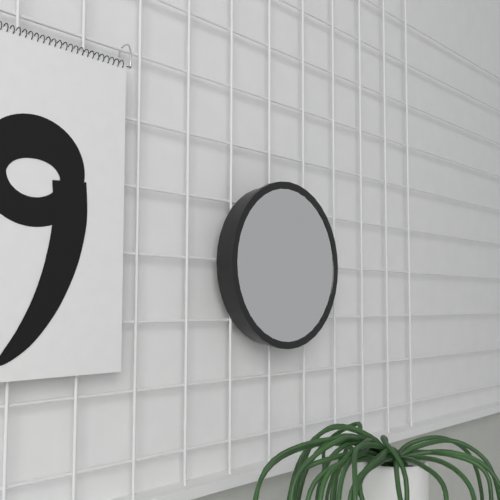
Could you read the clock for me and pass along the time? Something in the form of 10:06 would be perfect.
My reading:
8:53
